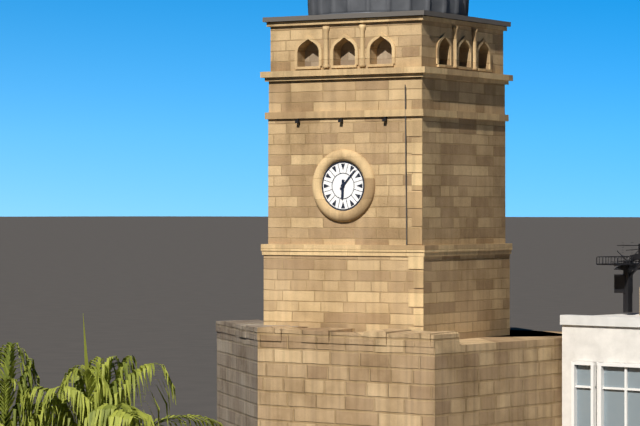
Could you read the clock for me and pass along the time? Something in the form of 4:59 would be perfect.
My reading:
6:07
